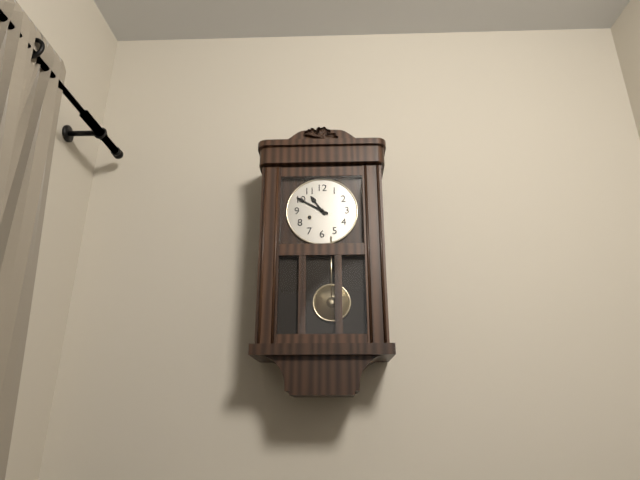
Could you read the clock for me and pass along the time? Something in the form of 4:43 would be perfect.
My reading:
10:50
